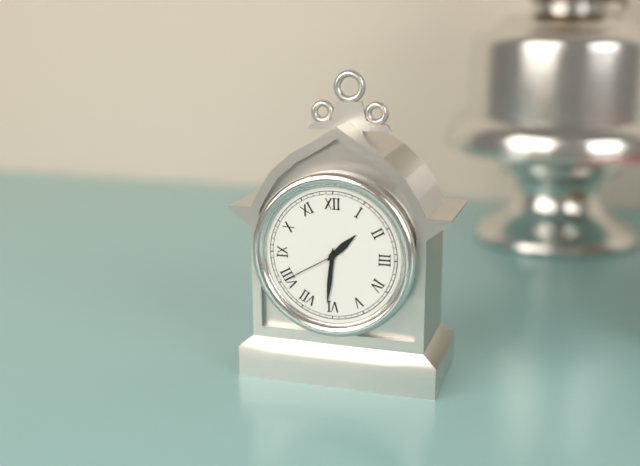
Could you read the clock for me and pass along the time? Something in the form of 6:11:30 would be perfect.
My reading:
1:31:40
